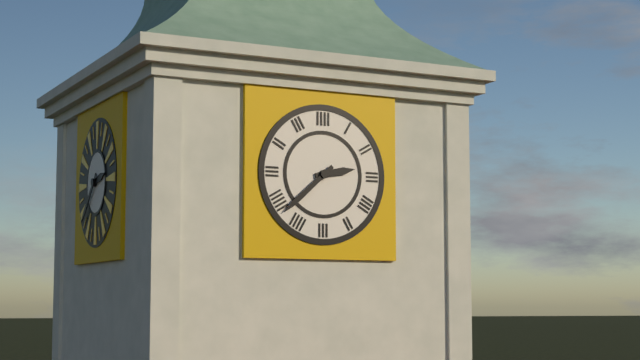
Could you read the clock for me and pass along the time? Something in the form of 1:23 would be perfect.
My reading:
2:38
